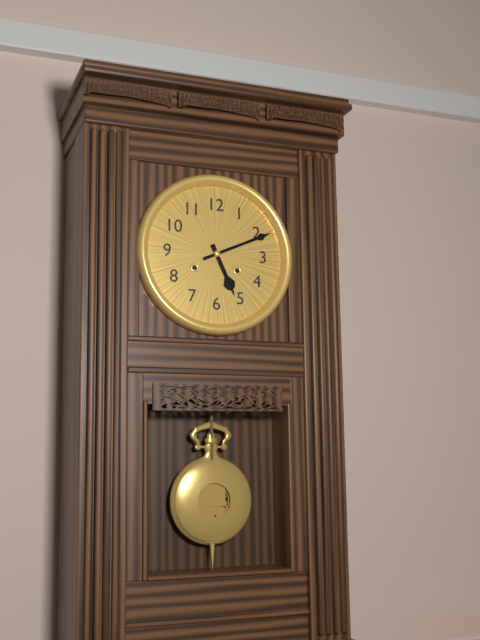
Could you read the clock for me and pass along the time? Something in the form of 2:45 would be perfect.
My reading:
5:11
